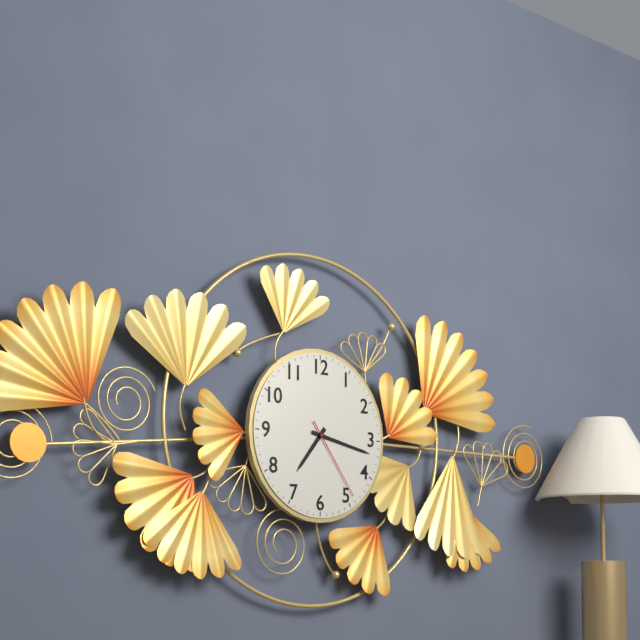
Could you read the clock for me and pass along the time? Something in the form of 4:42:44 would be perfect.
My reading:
7:17:24
